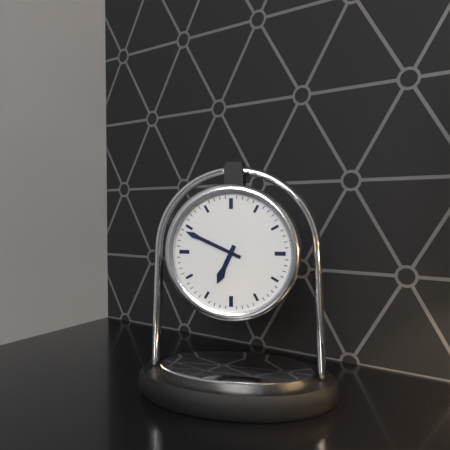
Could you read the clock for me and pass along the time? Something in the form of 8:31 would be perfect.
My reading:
6:49
